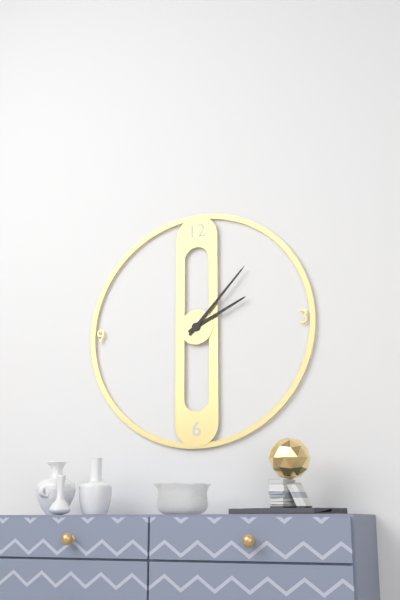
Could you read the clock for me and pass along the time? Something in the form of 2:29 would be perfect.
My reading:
2:07
